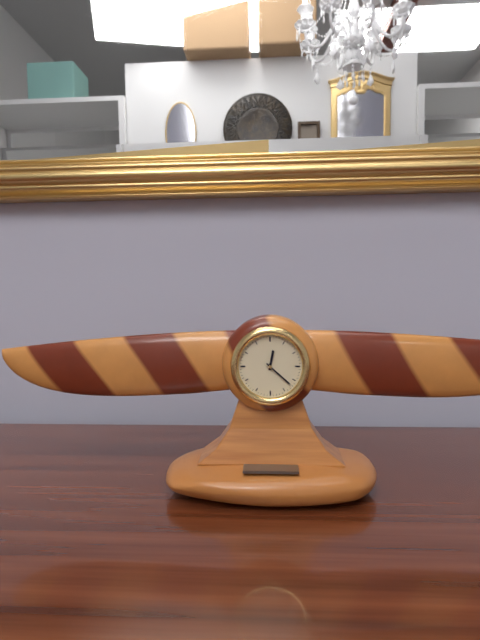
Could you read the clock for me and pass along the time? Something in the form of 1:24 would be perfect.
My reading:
12:22
